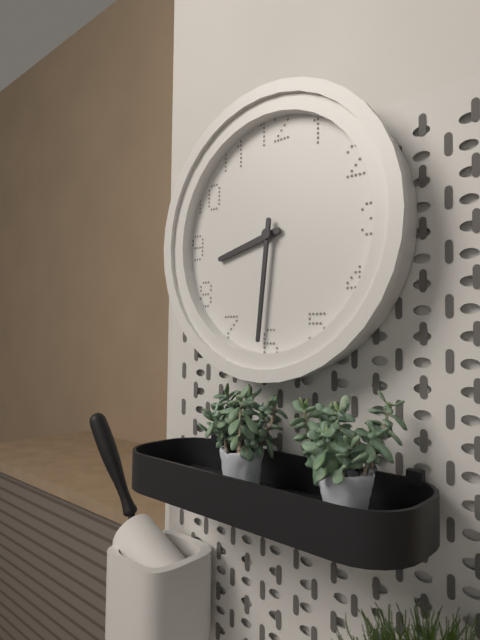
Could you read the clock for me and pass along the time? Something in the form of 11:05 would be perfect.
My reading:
8:31
